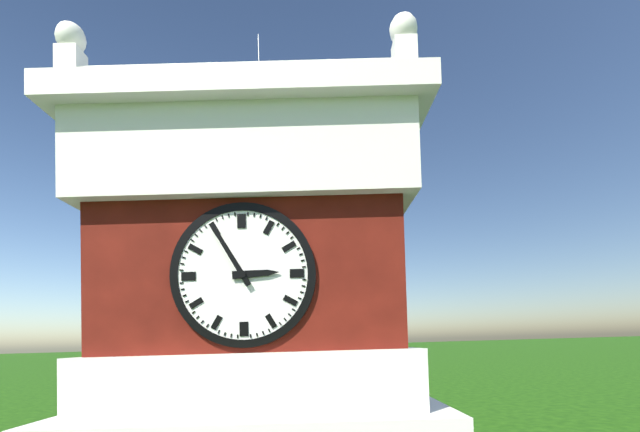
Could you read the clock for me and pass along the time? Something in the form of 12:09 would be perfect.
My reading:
2:55
